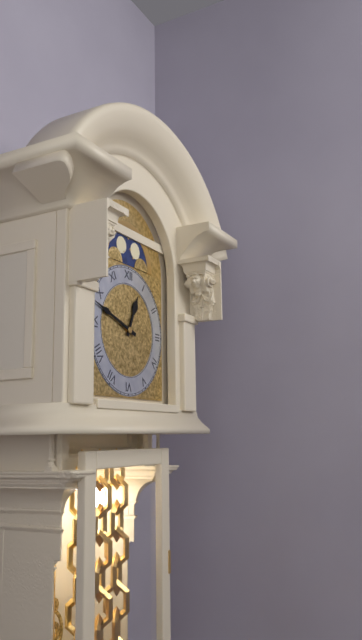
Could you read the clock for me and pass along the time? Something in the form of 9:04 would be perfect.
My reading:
12:48
